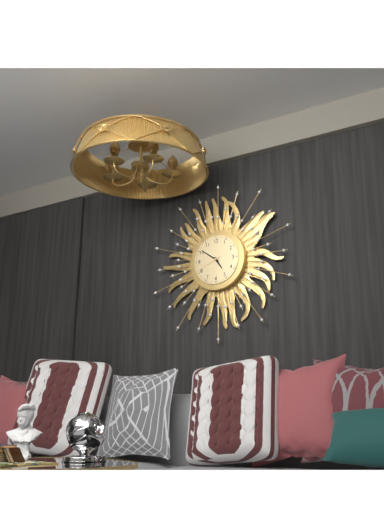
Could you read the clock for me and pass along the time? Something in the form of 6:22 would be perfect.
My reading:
4:51
